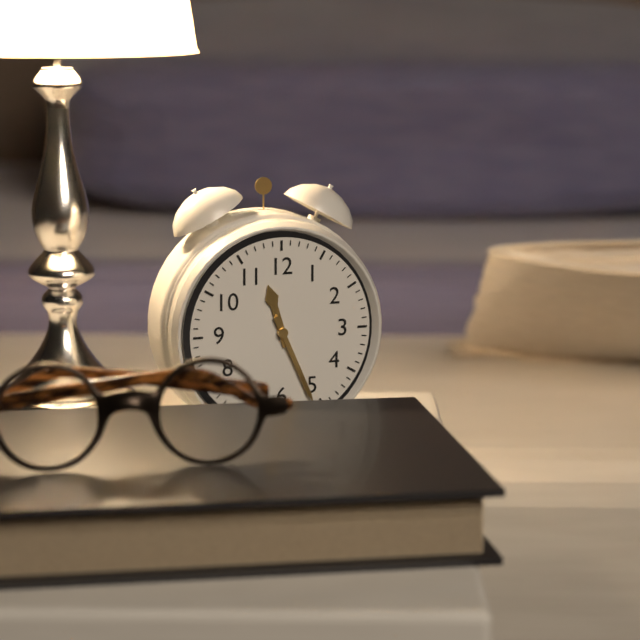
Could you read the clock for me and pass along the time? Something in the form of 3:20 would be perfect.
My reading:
11:26
